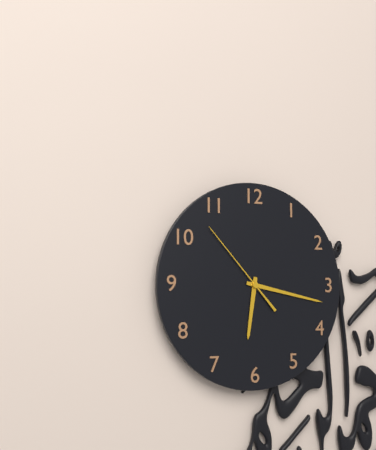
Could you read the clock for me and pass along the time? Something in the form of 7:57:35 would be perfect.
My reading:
6:17:53
